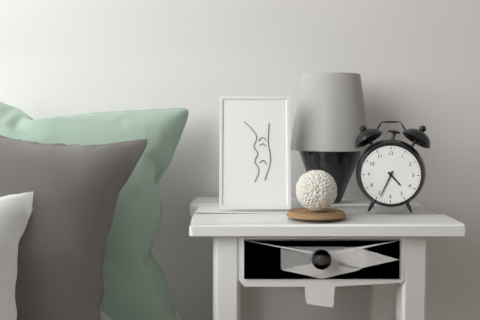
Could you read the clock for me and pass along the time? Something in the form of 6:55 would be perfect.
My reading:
4:34
